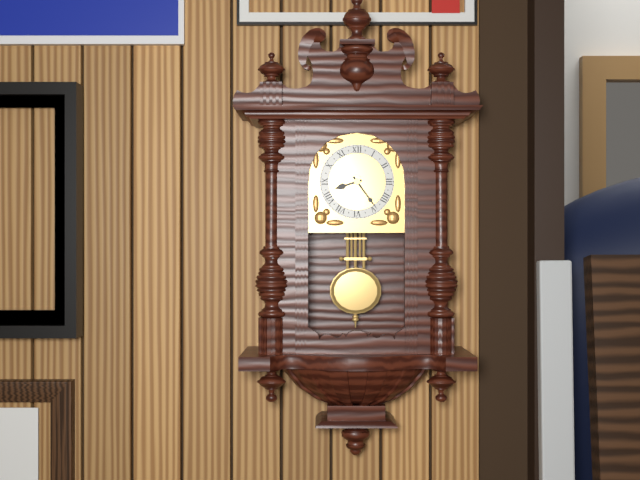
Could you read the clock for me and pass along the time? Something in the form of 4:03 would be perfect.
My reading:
8:24
